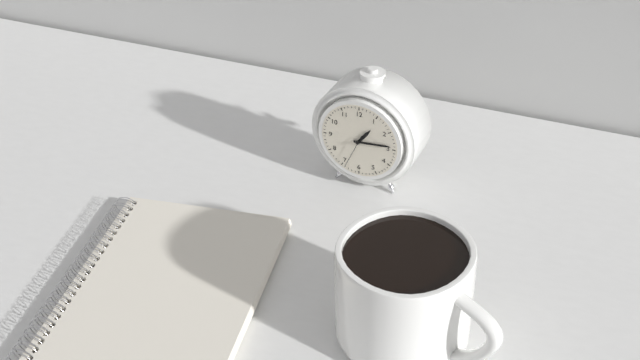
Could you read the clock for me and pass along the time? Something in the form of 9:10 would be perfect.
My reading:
1:14
